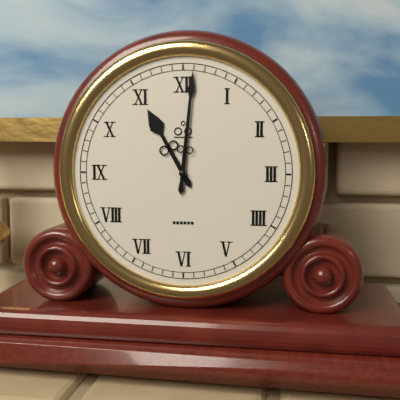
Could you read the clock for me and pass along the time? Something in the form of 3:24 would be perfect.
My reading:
11:01
